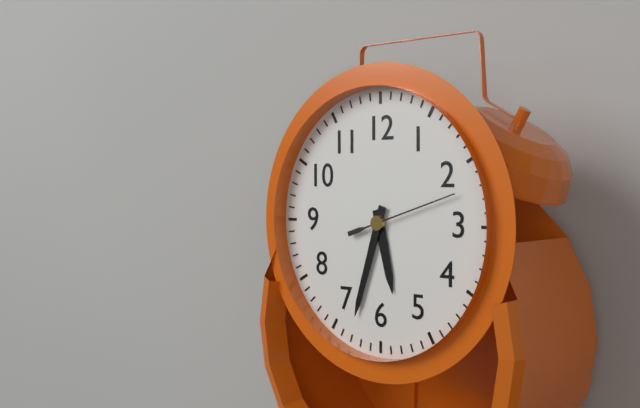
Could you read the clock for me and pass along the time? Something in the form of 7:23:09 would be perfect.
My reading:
5:33:12
